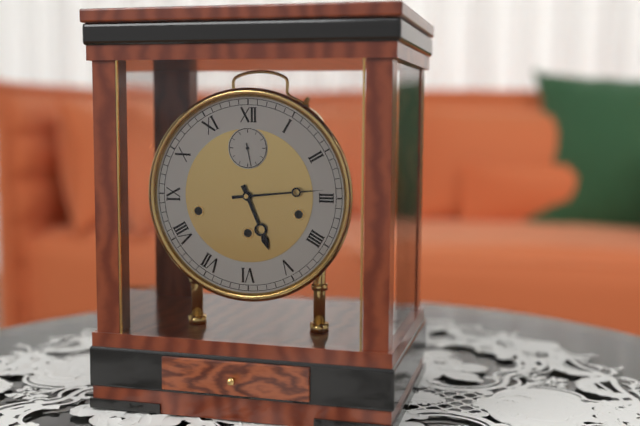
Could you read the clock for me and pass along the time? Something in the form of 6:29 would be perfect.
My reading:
5:14
